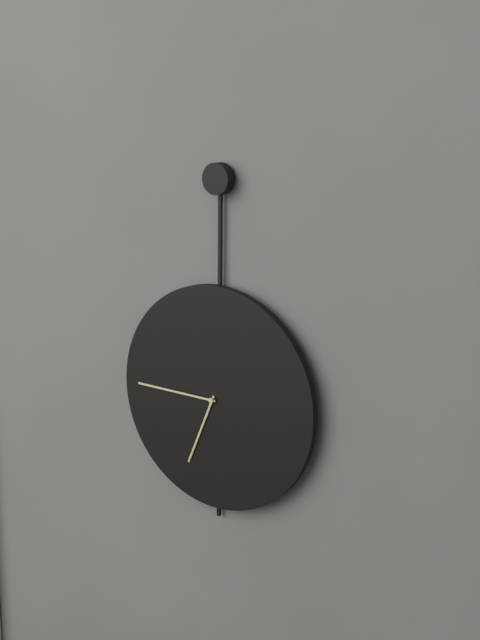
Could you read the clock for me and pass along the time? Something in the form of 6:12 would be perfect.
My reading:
6:45
